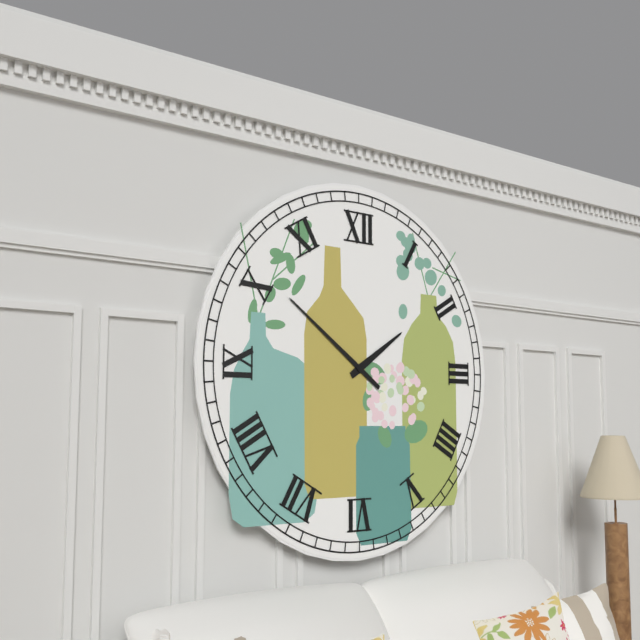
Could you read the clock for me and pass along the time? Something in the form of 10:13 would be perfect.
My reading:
1:51
